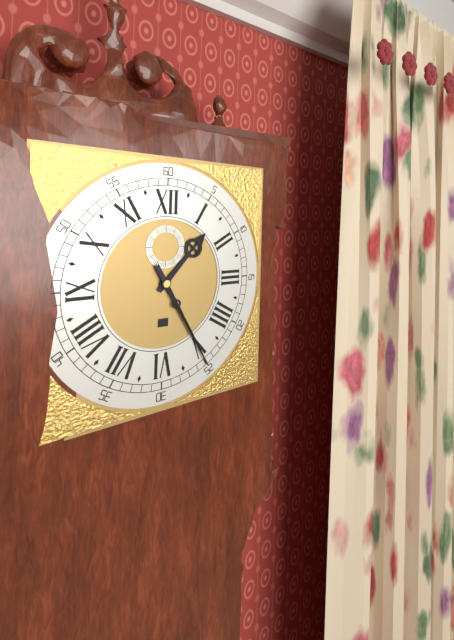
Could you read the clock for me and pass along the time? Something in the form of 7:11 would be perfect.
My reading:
1:25
